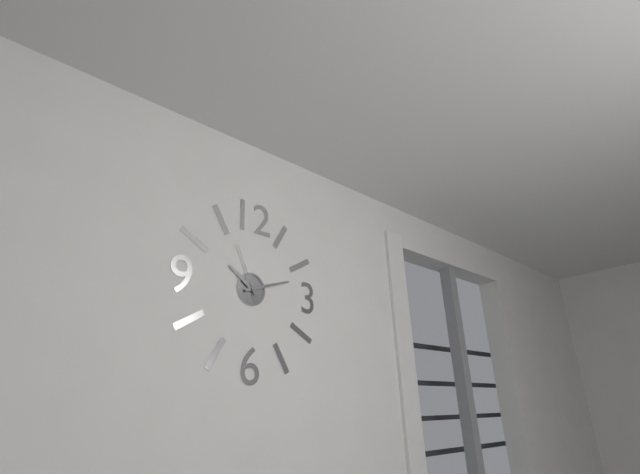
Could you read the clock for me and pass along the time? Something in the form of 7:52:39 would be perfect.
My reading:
10:12:56
